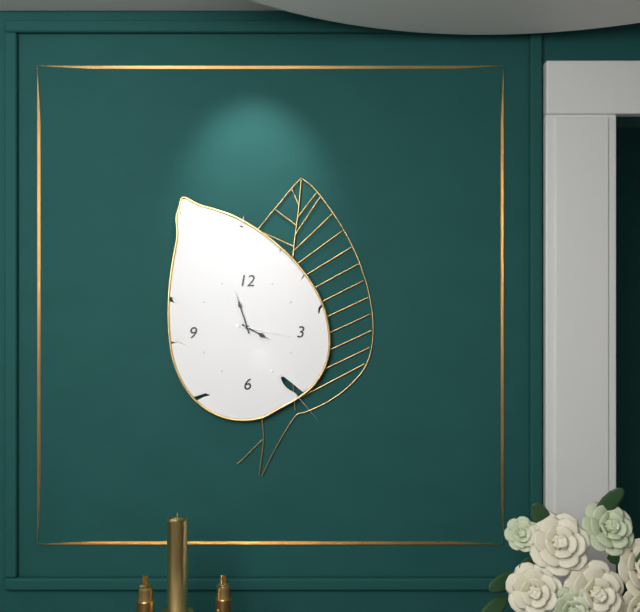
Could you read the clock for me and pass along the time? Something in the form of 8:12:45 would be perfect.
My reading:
3:57:17
